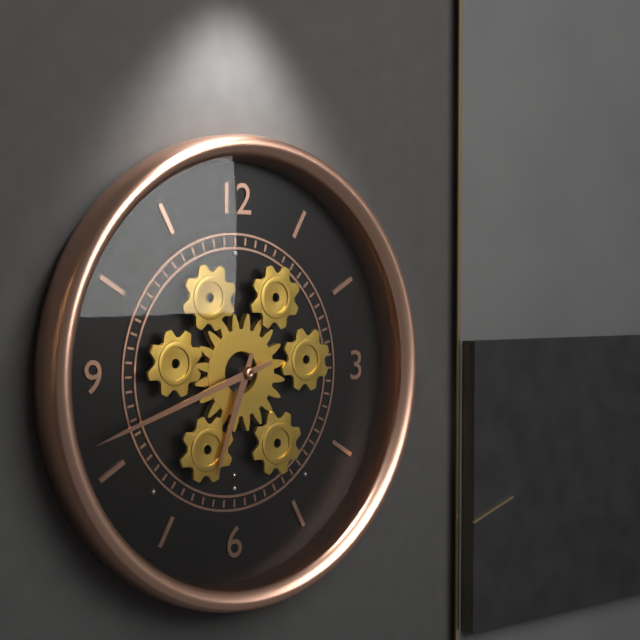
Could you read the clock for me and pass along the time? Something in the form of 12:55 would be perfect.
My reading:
6:42
